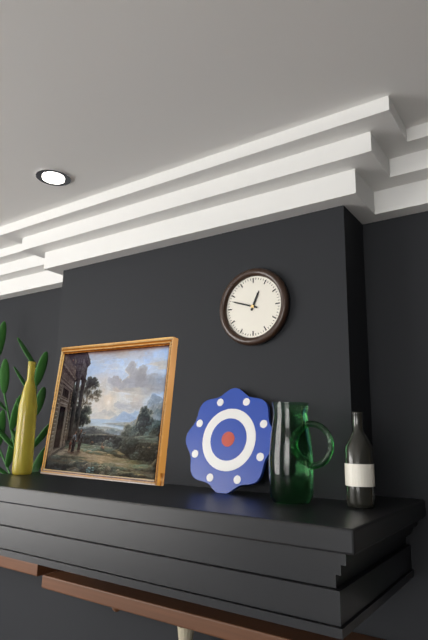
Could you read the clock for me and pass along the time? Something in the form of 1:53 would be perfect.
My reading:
12:48
